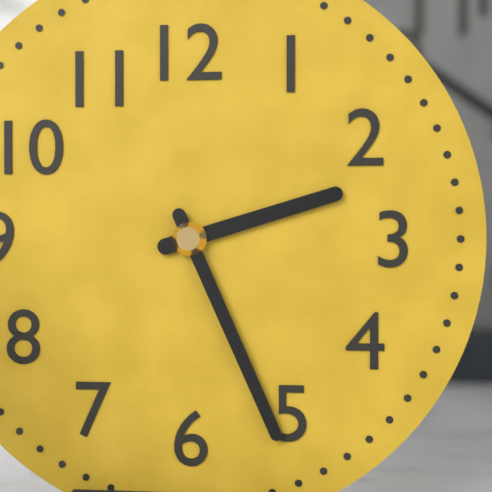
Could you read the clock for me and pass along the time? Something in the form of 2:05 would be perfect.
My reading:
2:26
